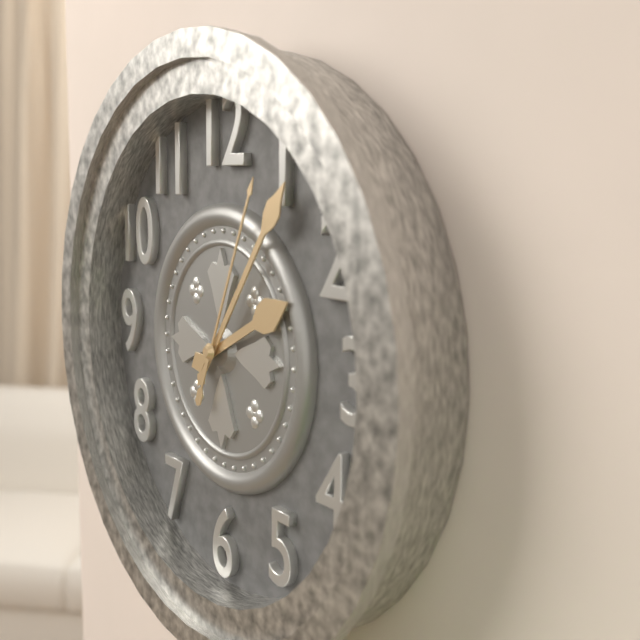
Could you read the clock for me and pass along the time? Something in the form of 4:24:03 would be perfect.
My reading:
2:06:04
